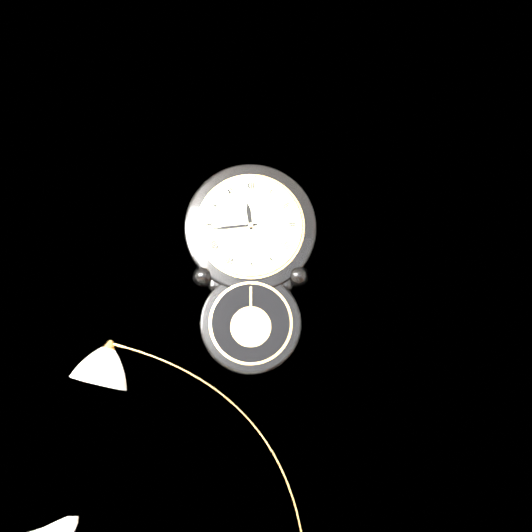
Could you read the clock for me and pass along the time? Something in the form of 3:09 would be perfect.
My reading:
11:44
